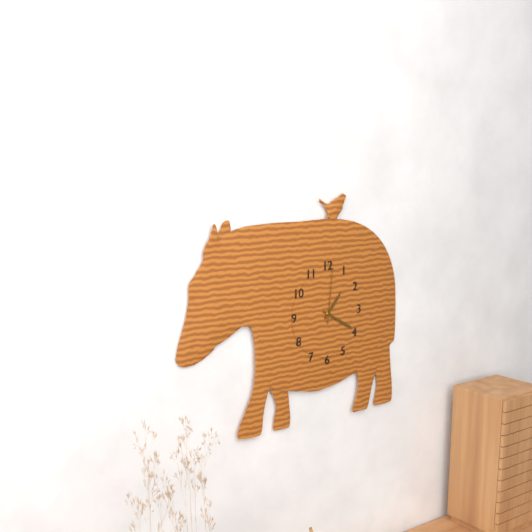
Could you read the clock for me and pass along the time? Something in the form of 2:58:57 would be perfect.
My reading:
1:20:01
